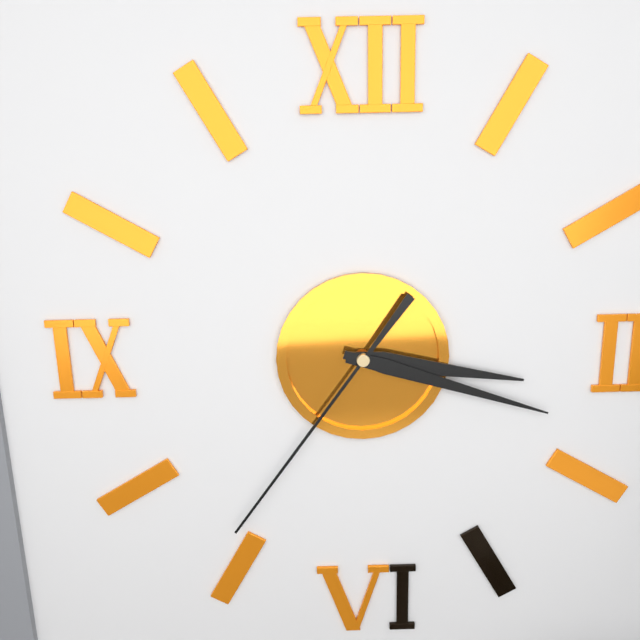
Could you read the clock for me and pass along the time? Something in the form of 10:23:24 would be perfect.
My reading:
3:18:36
